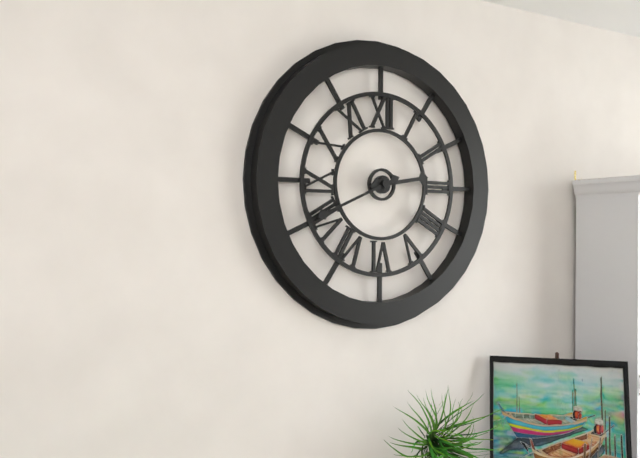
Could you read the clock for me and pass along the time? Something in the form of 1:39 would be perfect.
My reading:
2:41
